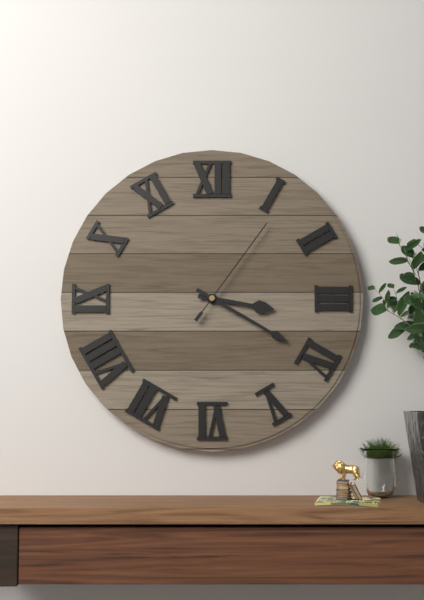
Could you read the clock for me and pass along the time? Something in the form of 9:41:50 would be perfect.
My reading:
3:20:06
